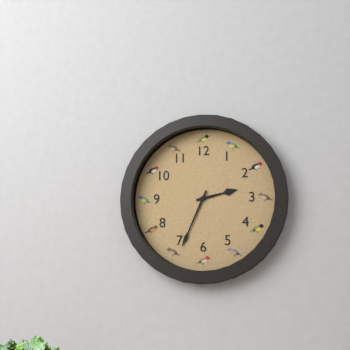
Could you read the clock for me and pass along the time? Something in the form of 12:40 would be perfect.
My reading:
2:34
